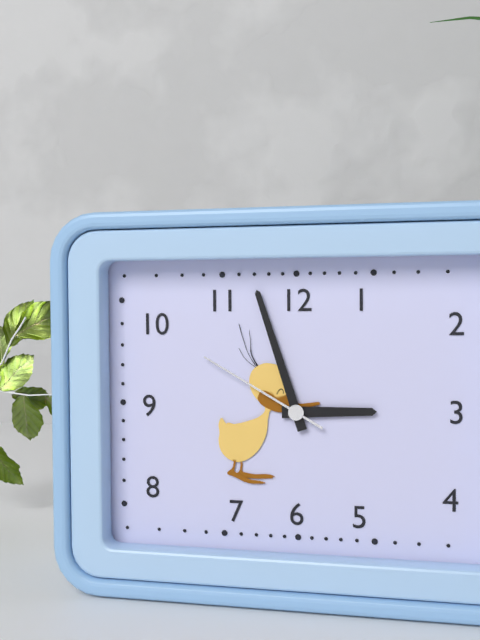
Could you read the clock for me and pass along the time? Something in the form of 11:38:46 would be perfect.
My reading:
2:57:50
